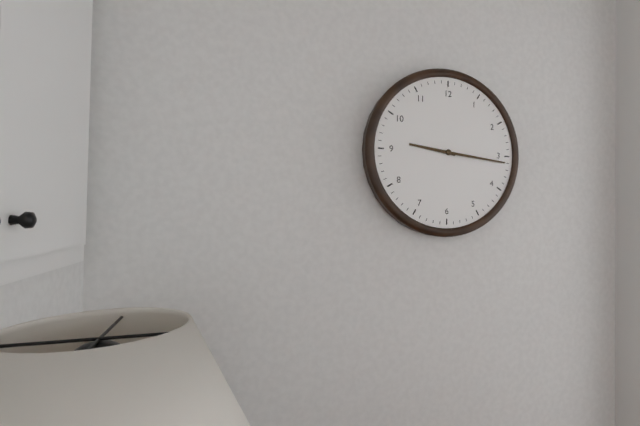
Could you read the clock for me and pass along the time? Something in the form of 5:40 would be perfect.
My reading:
9:16
